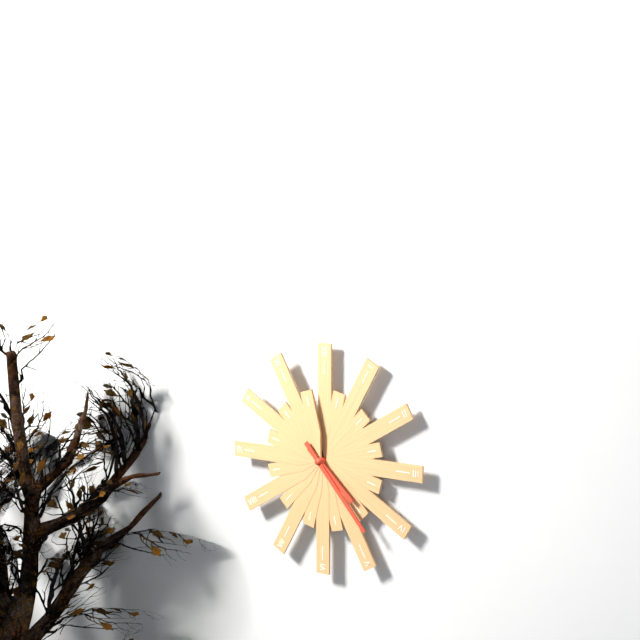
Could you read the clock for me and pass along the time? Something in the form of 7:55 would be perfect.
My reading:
4:23
